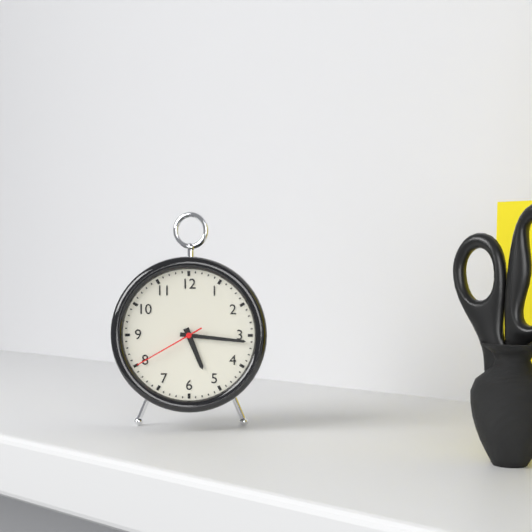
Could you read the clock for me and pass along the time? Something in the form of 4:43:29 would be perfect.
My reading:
5:16:40
